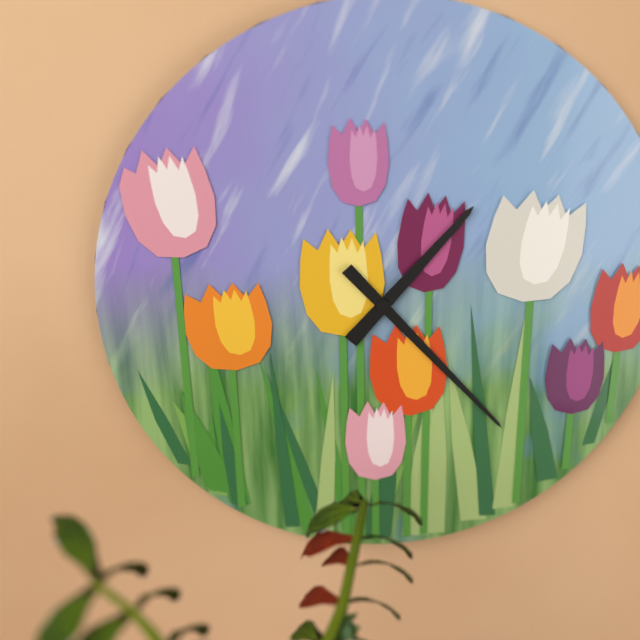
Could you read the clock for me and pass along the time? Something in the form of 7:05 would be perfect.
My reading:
1:23
